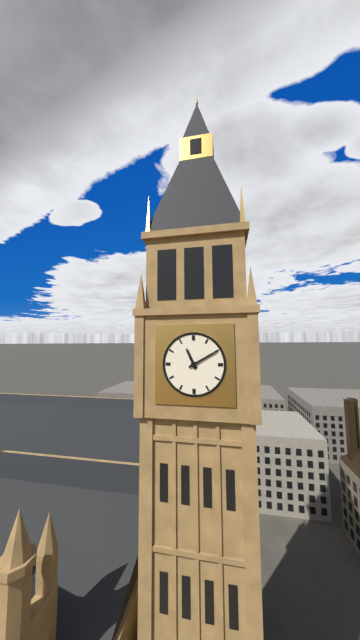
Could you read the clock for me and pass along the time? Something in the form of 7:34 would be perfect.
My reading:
11:10
